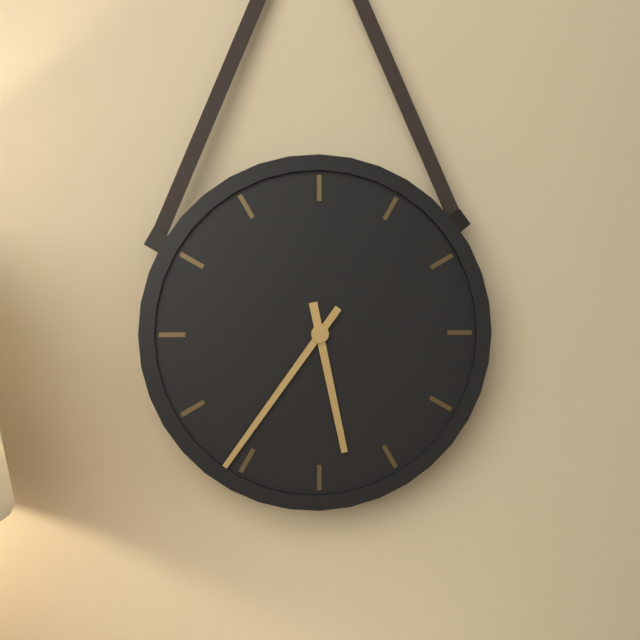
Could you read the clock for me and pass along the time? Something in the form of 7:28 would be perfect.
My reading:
5:36
